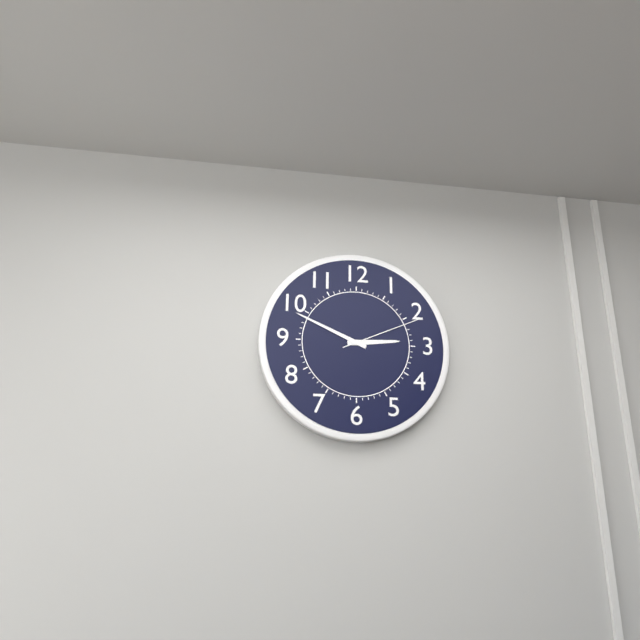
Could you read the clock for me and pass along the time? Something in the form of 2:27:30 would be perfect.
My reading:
2:49:11
